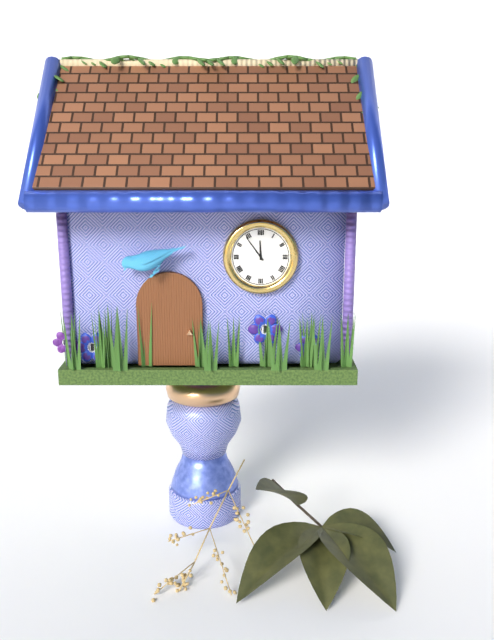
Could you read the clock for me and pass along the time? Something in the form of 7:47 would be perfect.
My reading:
11:54
